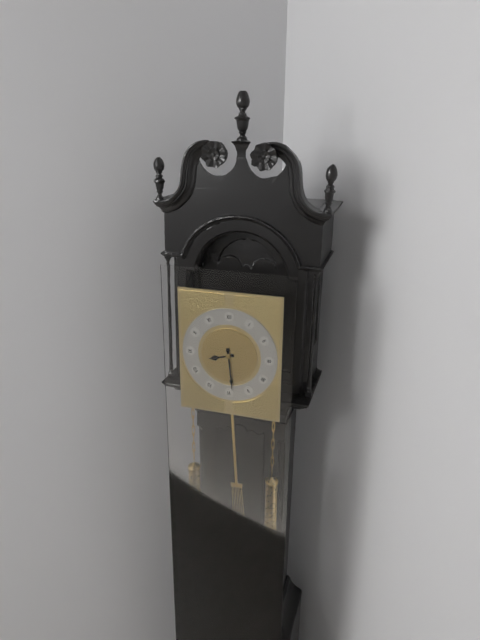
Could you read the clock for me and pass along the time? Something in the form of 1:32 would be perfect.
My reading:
8:29
